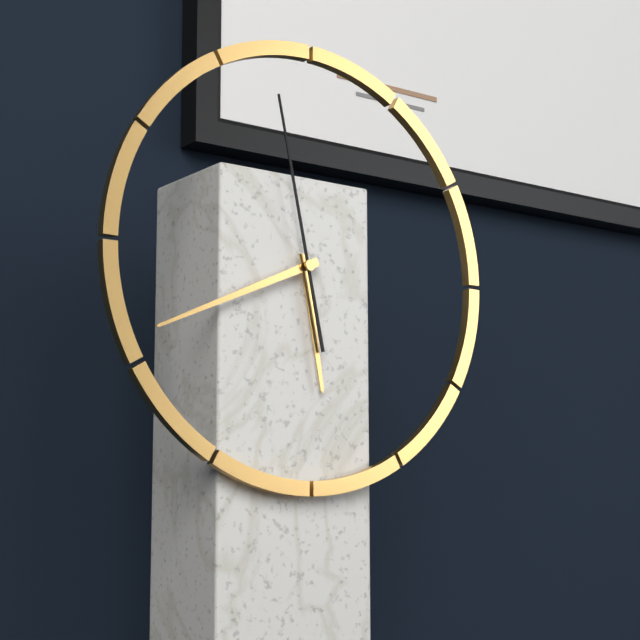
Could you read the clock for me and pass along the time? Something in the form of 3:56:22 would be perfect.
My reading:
5:41:58
